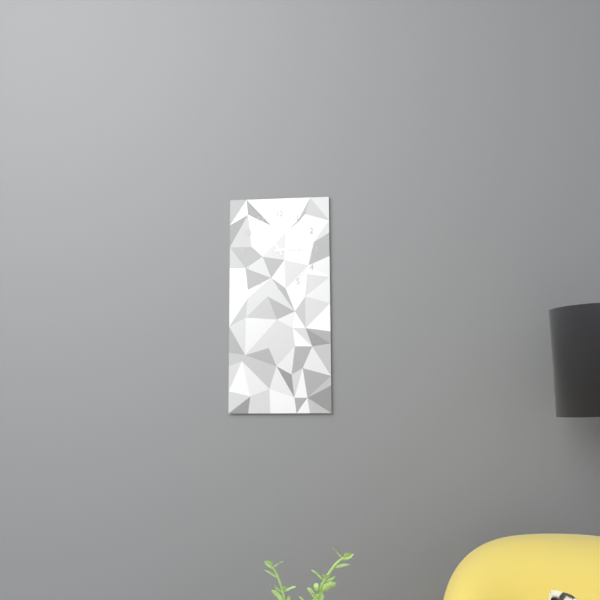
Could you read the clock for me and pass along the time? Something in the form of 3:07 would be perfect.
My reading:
2:55
